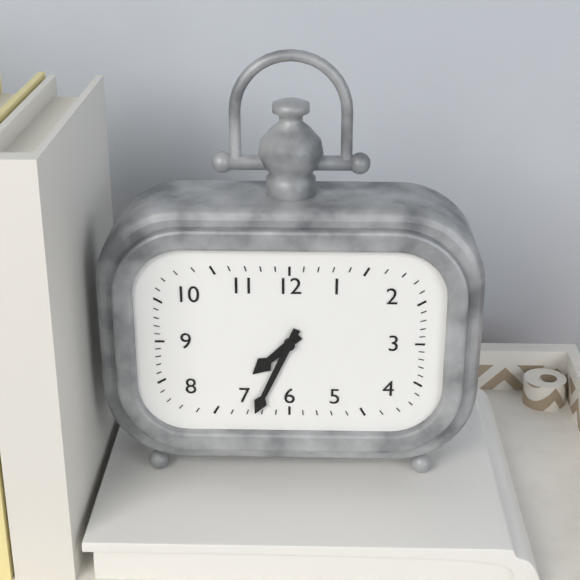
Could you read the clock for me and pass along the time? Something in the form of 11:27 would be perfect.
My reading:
7:34
